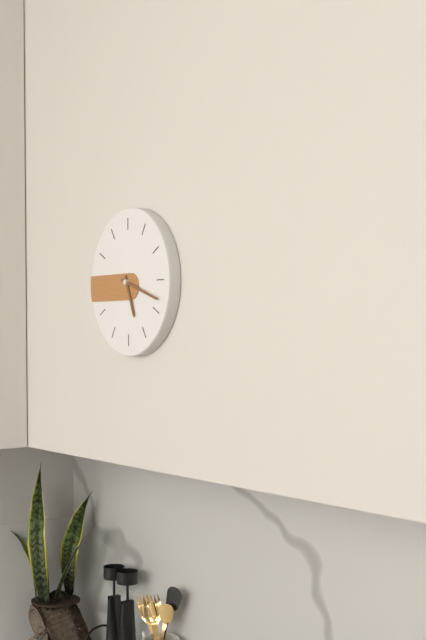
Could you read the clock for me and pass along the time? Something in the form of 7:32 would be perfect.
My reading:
5:18
